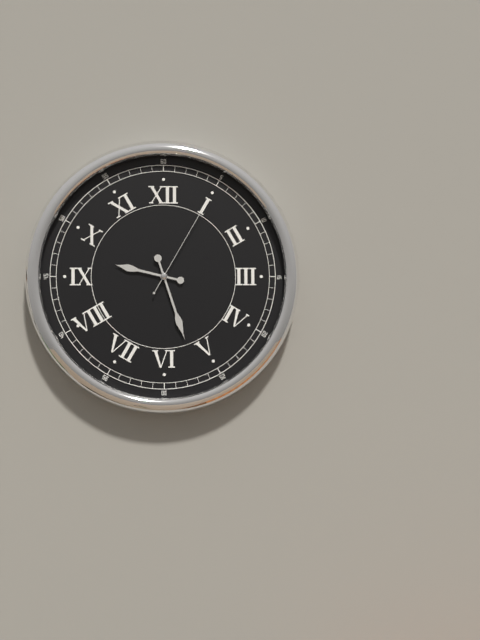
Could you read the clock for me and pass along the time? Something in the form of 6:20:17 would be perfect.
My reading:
9:27:05
